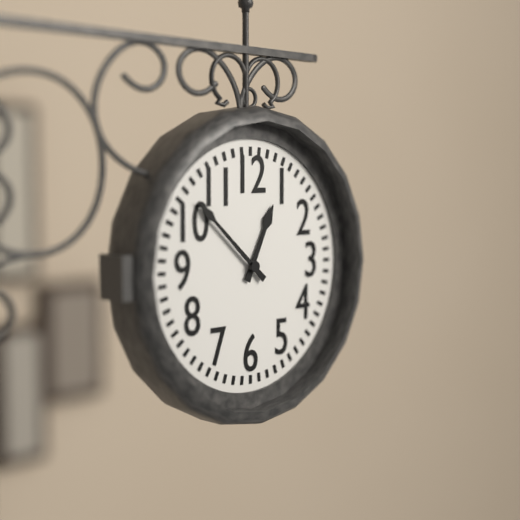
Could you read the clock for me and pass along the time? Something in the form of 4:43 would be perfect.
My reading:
12:52
